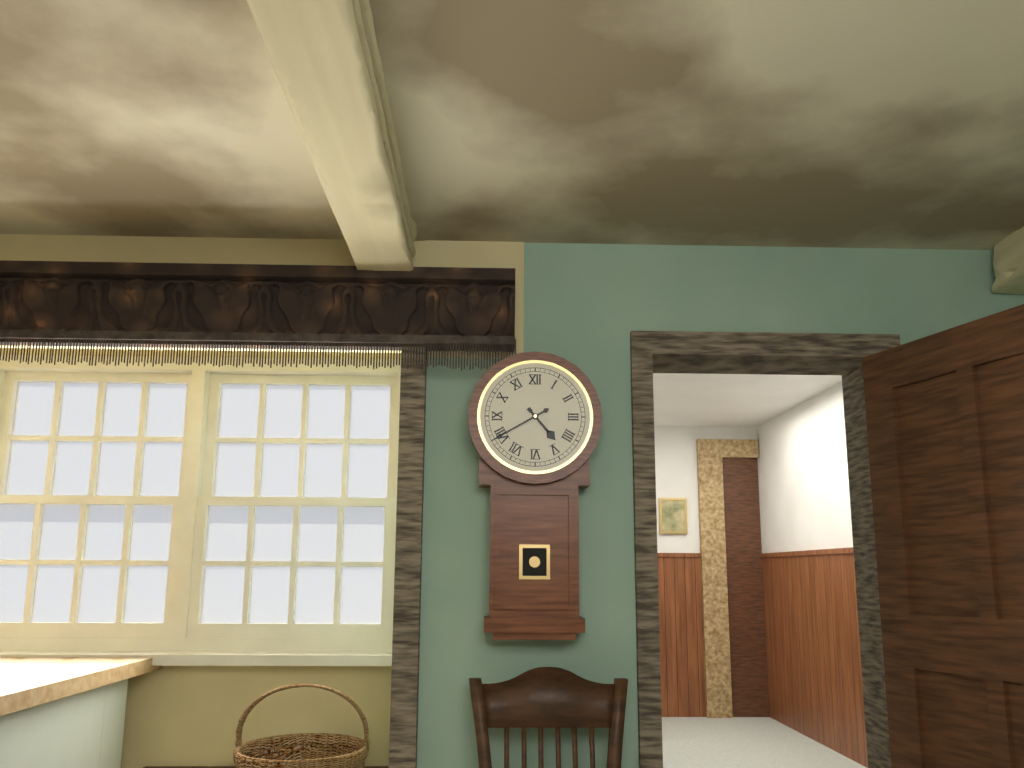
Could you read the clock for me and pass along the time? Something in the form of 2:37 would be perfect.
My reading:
4:40
